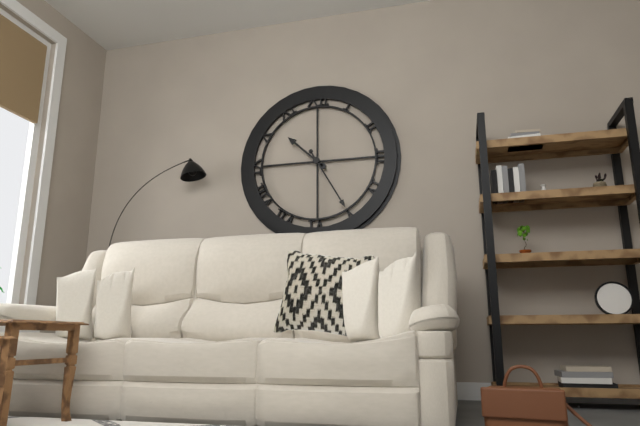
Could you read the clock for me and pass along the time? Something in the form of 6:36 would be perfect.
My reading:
10:25
